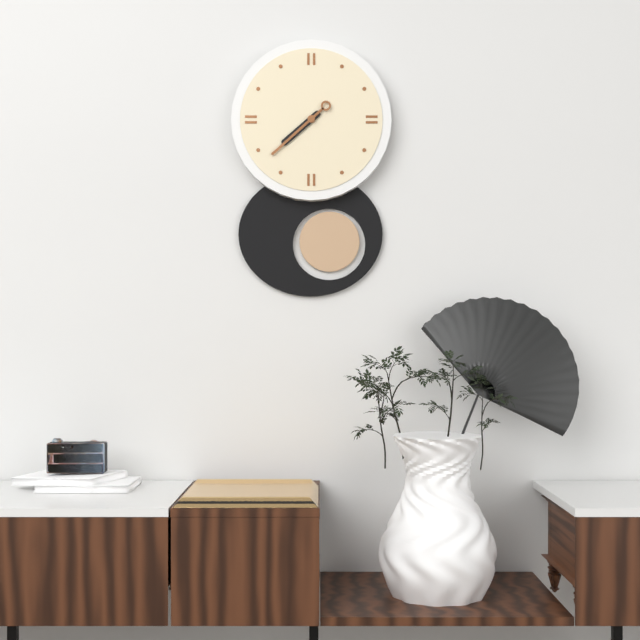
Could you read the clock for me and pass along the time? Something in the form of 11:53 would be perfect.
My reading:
7:38
